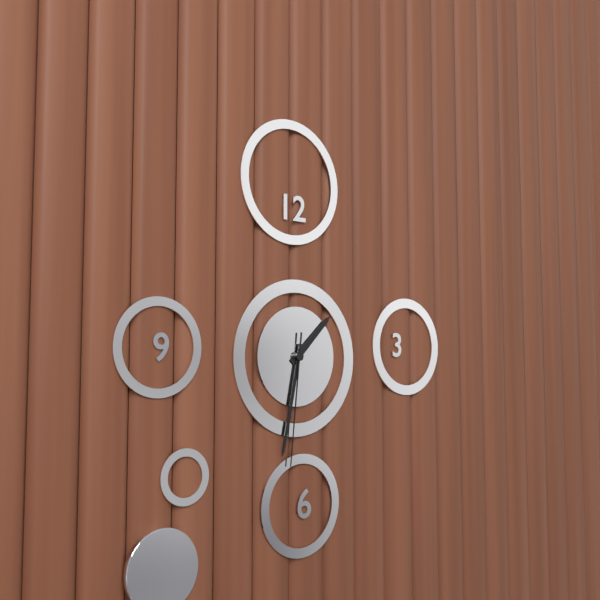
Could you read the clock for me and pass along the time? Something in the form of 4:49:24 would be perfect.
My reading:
1:32:31
